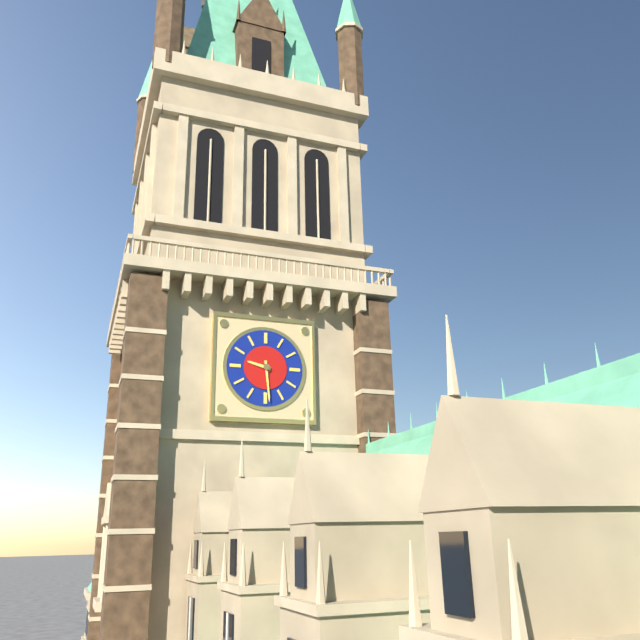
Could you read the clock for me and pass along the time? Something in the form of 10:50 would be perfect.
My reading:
9:29
